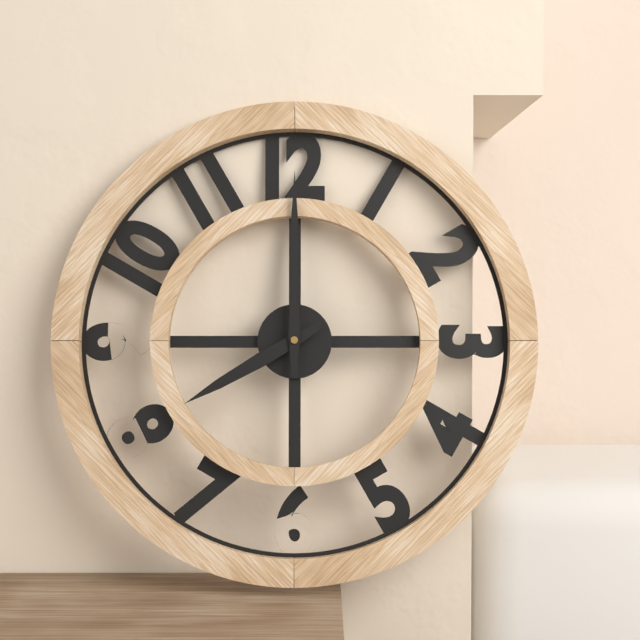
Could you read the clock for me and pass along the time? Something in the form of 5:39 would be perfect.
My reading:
8:00
